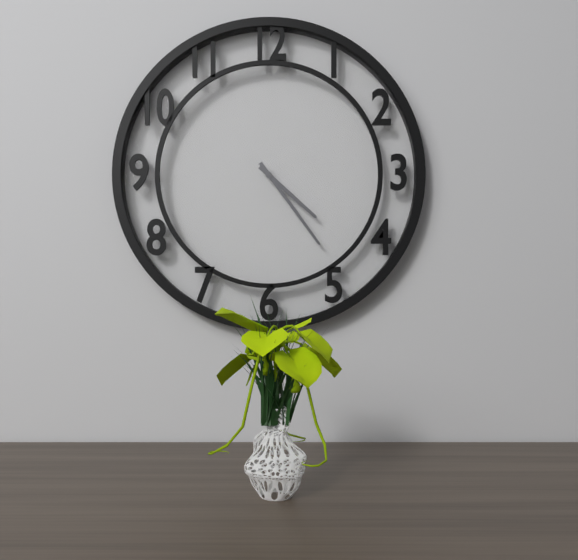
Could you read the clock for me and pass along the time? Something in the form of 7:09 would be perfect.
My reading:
4:24
